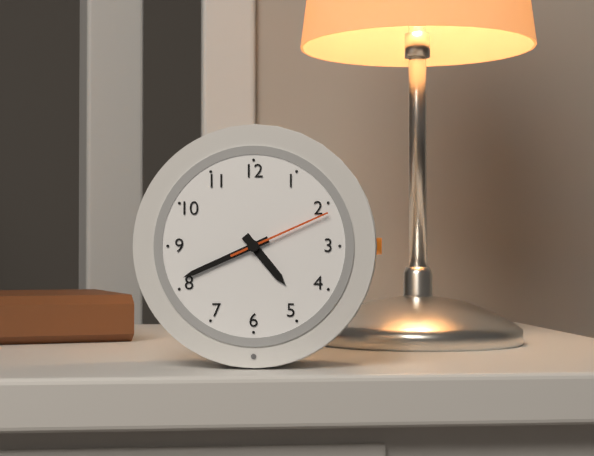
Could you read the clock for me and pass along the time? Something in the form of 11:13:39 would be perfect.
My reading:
4:41:11
